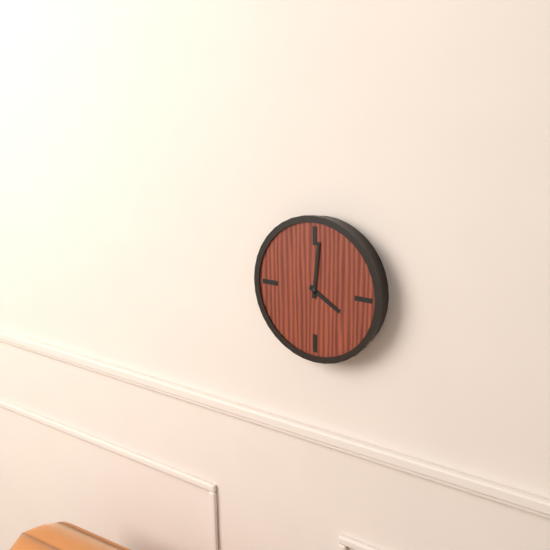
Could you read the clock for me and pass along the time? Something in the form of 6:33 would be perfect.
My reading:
4:01
